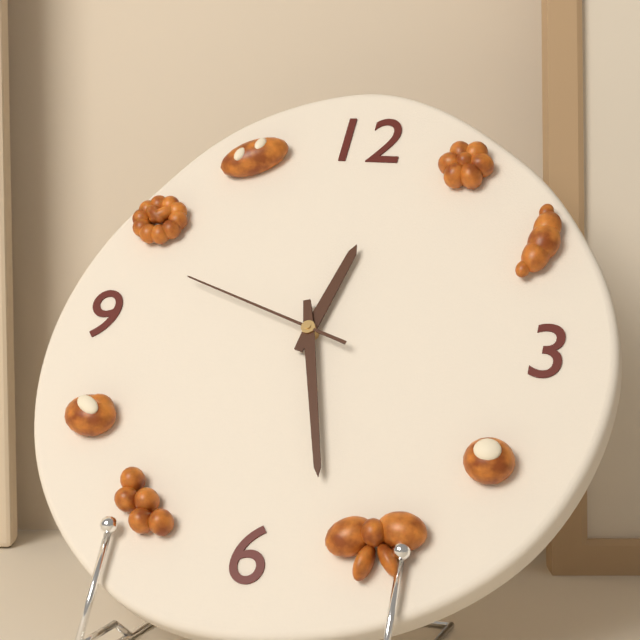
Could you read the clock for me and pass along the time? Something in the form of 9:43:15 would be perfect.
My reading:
12:27:48
